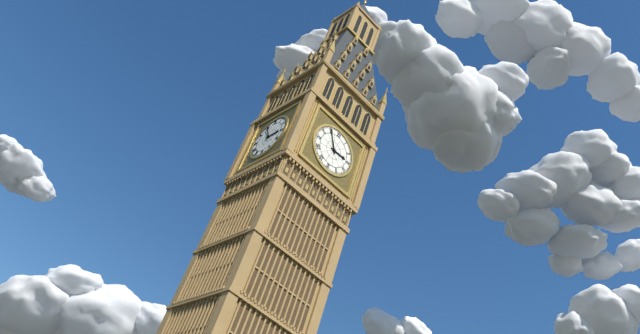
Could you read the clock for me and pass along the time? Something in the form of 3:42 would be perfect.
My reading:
2:55
